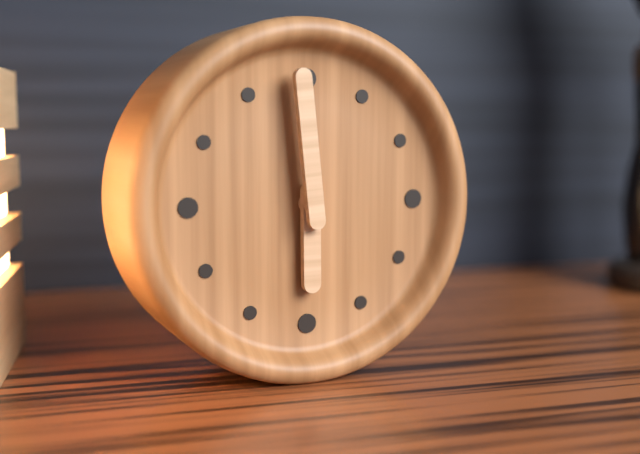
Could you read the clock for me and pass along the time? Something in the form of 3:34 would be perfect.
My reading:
5:59
